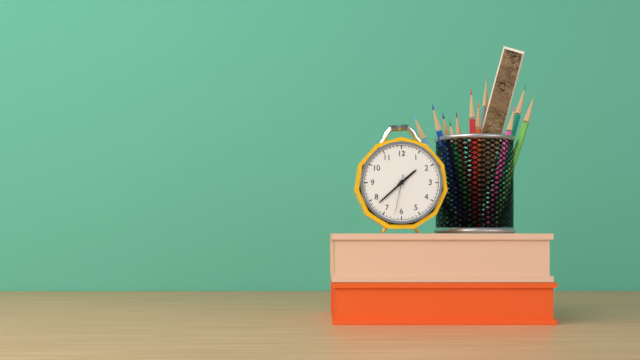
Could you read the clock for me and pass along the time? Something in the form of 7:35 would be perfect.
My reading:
1:38
